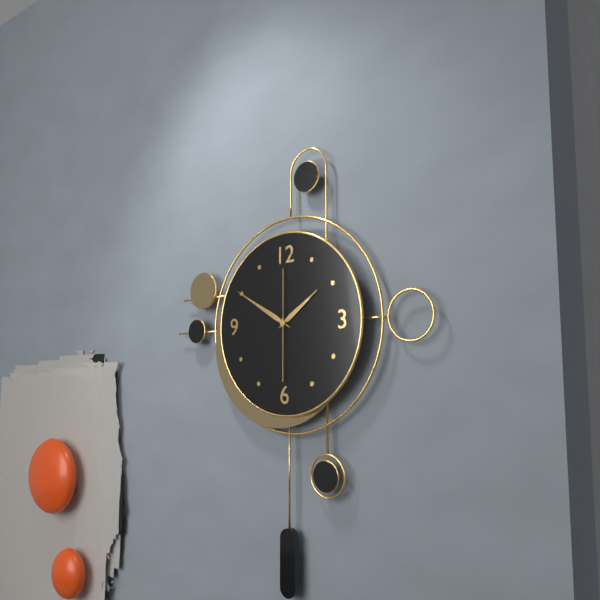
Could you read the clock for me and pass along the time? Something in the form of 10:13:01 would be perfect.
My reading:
1:50:30
